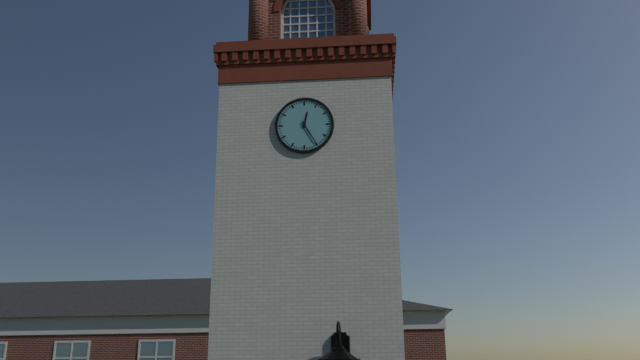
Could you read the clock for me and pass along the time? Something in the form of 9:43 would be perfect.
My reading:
12:25
